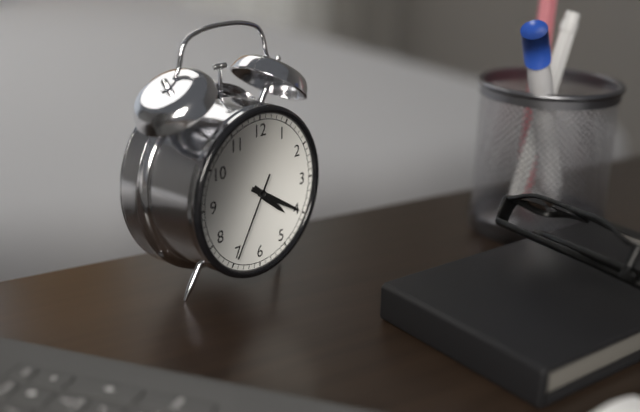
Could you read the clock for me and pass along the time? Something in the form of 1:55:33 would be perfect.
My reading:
4:20:35
